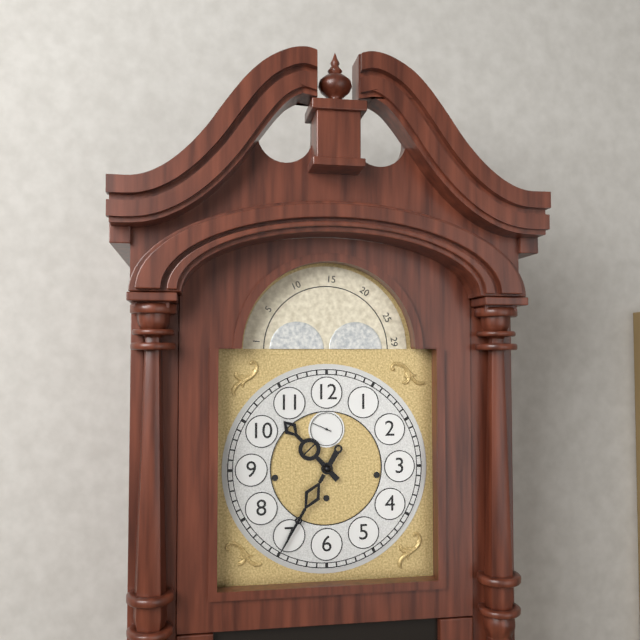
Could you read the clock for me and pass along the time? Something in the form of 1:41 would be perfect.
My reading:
10:35
